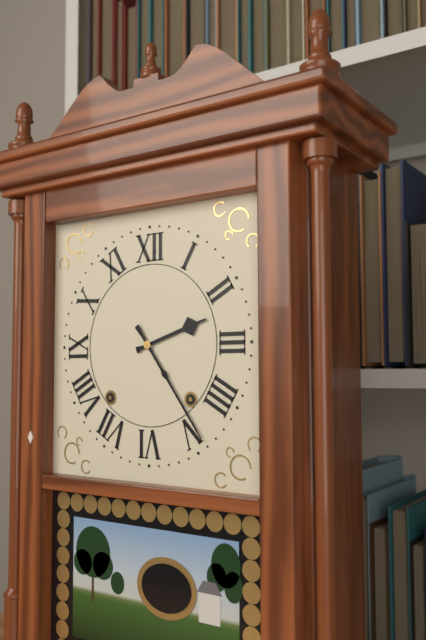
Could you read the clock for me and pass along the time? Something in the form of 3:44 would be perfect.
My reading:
2:24
